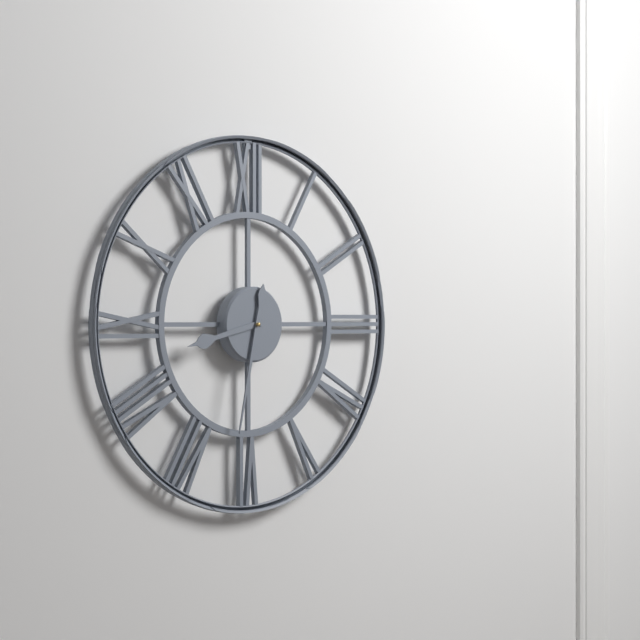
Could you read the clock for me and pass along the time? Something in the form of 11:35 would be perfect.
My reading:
8:32
